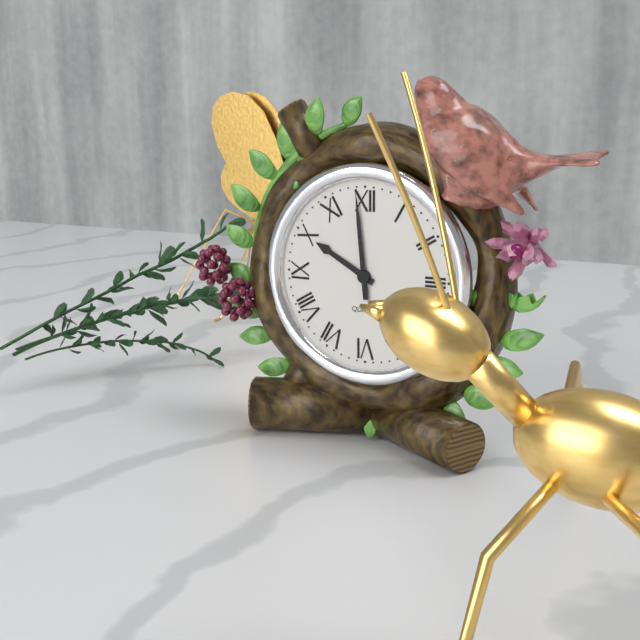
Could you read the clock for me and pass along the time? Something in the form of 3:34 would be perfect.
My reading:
9:59
